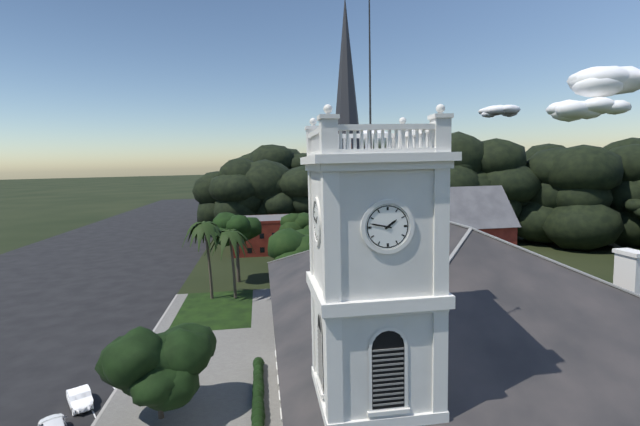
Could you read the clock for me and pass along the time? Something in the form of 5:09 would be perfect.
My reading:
1:47
